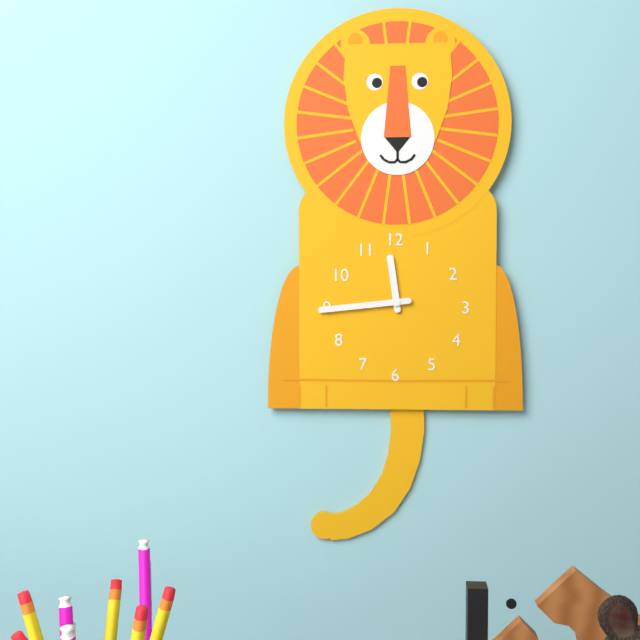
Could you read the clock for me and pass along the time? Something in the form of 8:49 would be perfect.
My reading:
11:44
